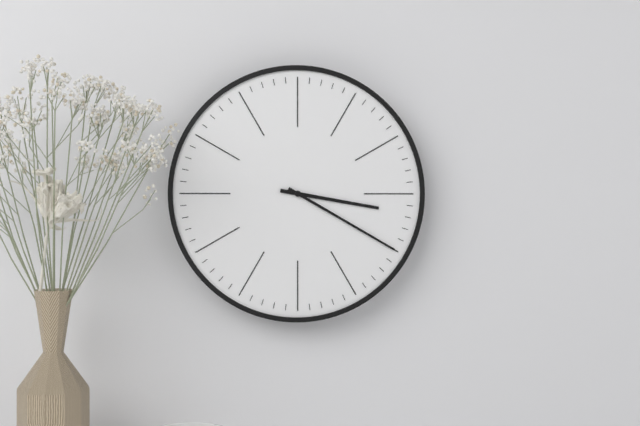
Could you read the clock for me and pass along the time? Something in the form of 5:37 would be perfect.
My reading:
3:20
